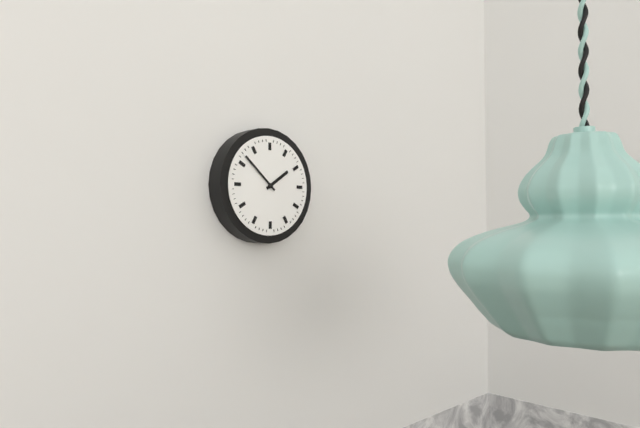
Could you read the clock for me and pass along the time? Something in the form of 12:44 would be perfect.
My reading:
1:52
